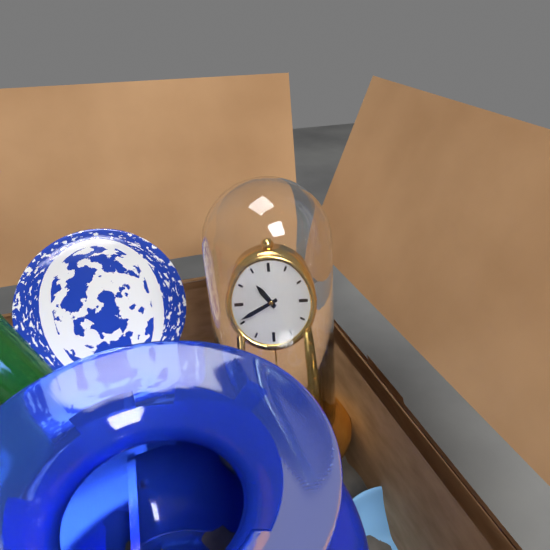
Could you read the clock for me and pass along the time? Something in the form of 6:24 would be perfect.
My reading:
10:41
